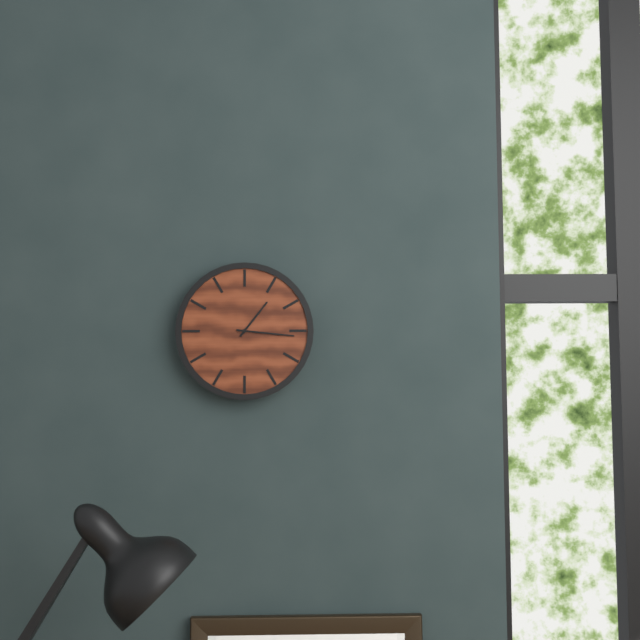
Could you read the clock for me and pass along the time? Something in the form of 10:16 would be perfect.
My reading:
1:16
